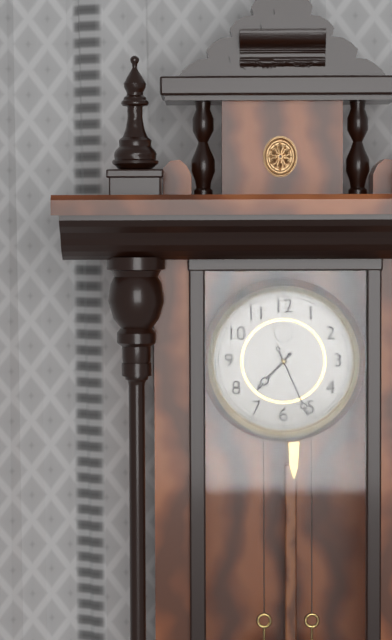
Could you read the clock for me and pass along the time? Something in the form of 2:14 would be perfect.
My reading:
7:26
